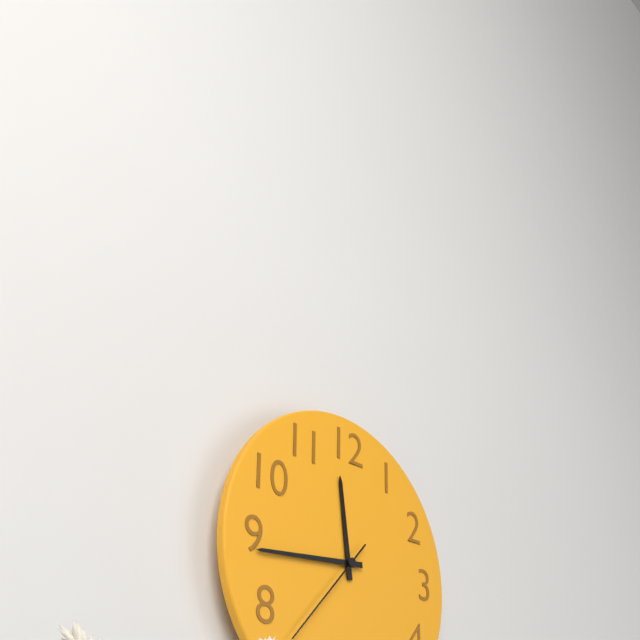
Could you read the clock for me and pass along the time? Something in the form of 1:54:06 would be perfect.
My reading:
11:44:37
